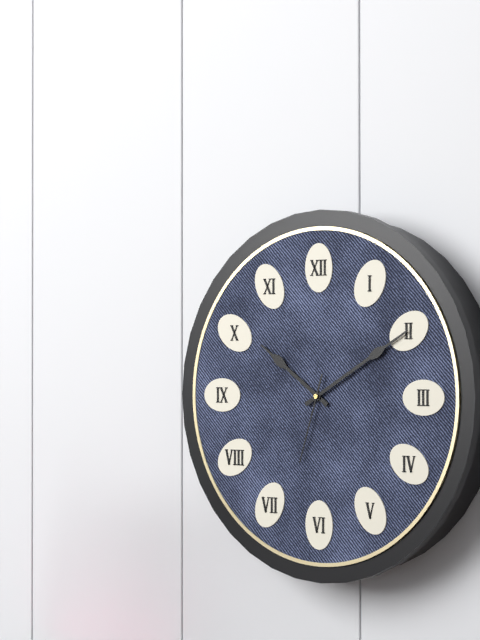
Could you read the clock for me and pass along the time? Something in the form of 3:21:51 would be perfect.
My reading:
10:10:33
